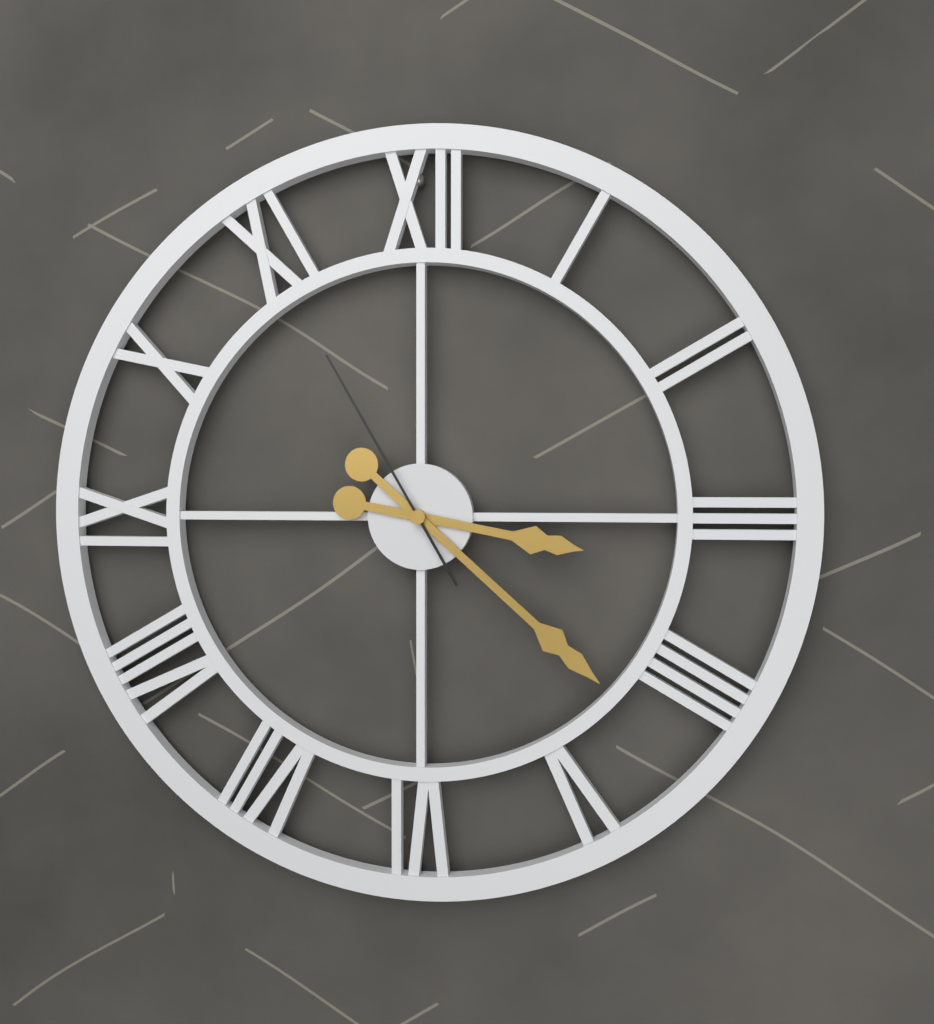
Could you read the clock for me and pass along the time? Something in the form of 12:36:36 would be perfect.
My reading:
3:22:55
